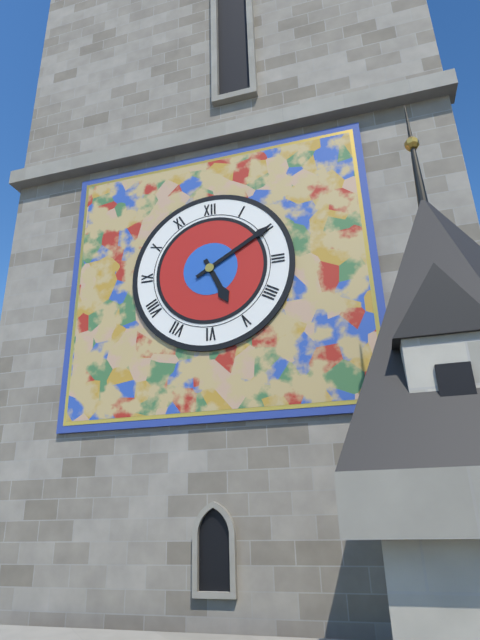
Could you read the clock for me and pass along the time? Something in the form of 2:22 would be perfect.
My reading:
5:10
